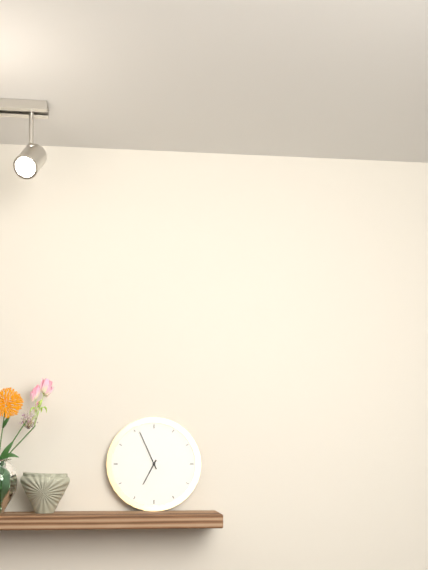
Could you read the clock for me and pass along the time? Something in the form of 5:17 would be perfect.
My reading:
6:56
